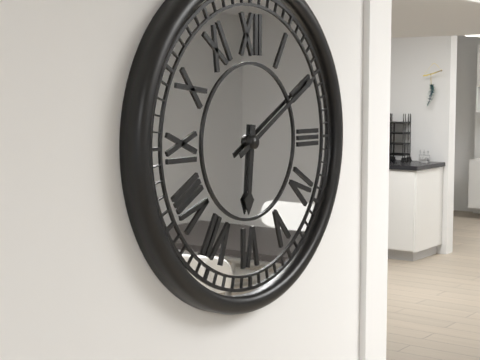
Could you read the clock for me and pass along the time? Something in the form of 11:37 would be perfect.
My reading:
6:10
